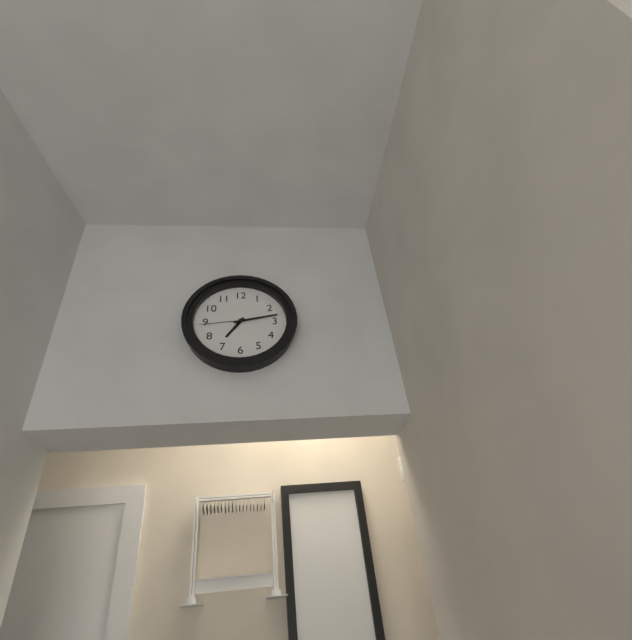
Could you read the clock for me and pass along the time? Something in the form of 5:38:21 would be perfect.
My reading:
7:13:44
